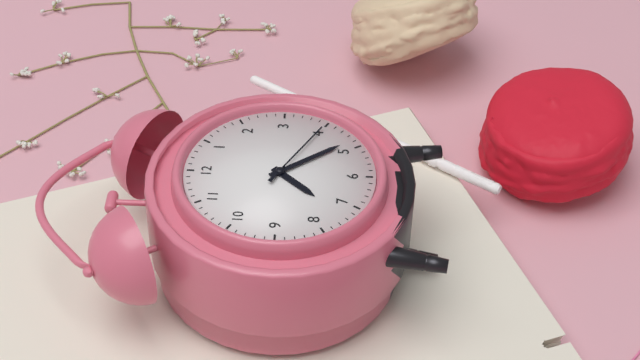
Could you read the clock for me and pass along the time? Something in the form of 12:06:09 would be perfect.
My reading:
7:24:20
